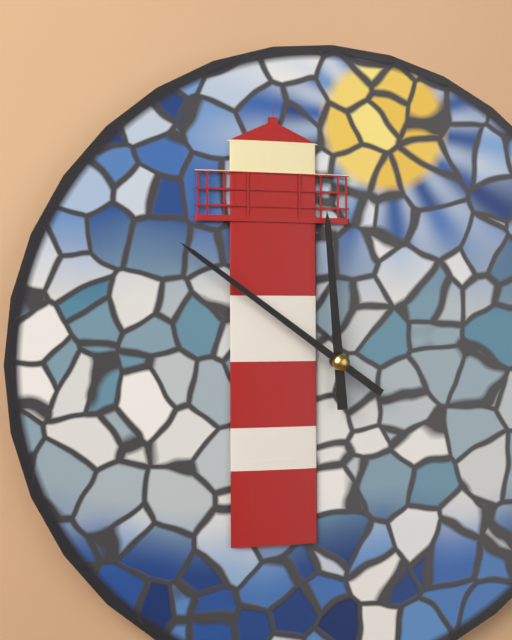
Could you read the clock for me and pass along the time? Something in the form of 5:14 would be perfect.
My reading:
11:51
